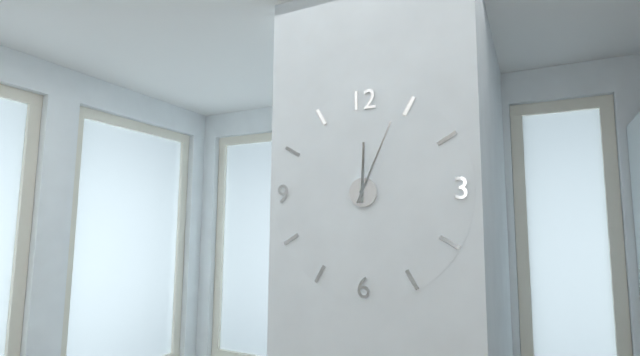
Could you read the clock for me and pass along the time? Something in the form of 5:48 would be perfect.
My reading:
12:04
